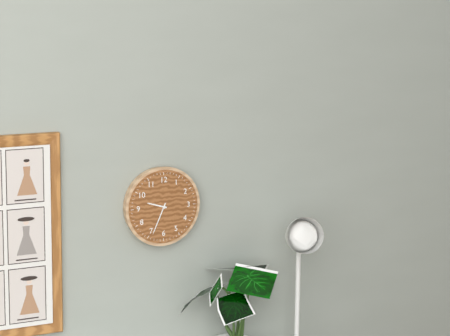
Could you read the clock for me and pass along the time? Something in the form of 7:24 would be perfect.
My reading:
9:34
